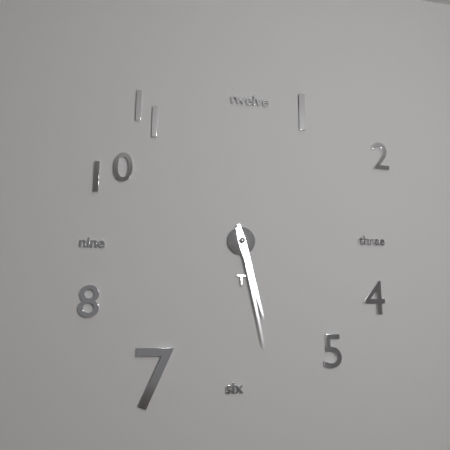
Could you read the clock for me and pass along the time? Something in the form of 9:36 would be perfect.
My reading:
5:28
